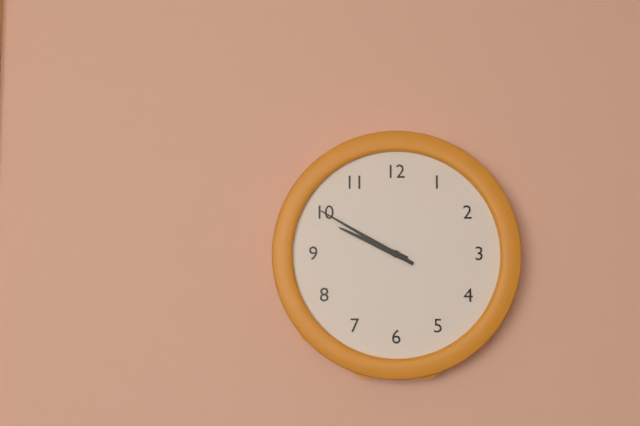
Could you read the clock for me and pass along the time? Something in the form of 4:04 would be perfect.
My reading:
9:50
